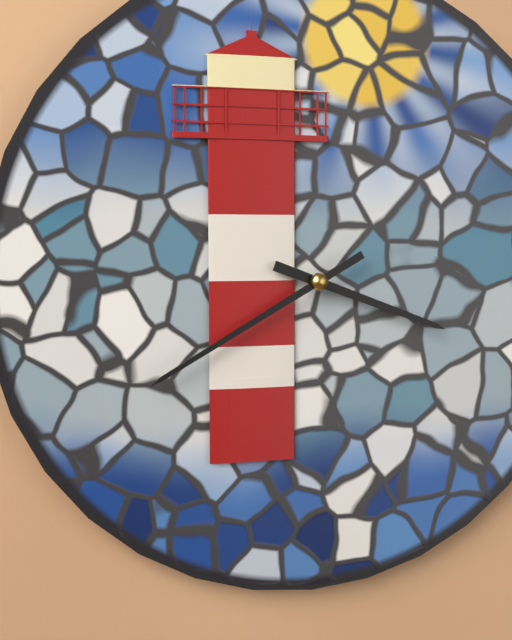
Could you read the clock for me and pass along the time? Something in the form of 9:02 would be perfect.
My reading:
3:40
